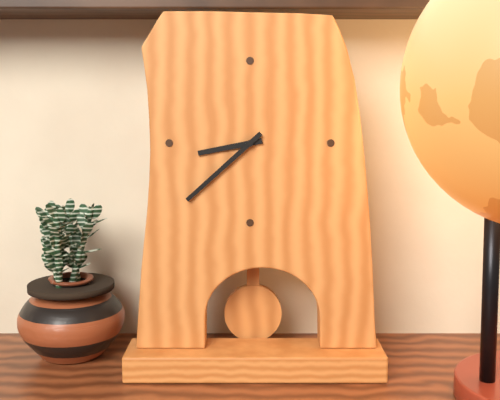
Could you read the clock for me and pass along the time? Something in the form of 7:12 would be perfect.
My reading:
8:38
